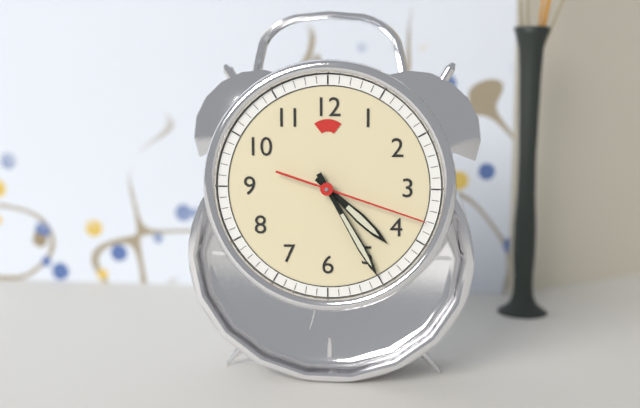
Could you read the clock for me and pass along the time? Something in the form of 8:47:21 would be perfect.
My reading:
4:25:18
